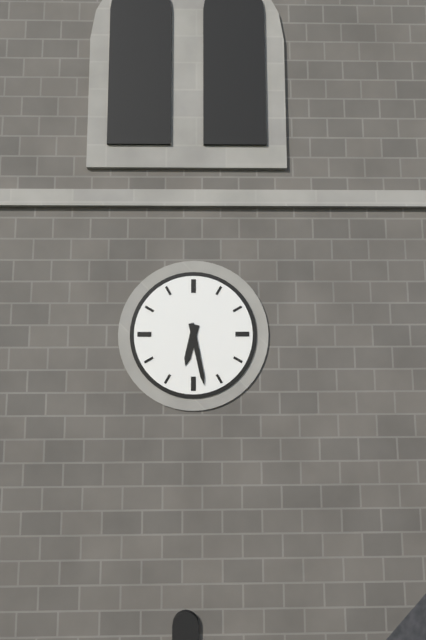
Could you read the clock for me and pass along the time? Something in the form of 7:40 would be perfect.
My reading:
6:28
